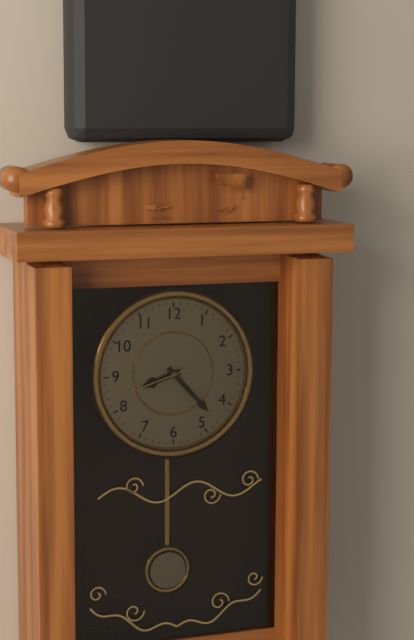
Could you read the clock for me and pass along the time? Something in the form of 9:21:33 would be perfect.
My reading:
8:23:42
